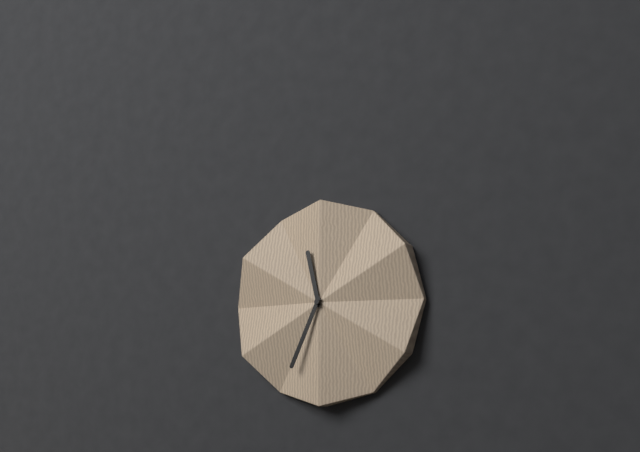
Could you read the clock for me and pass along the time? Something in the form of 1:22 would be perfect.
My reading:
11:34
